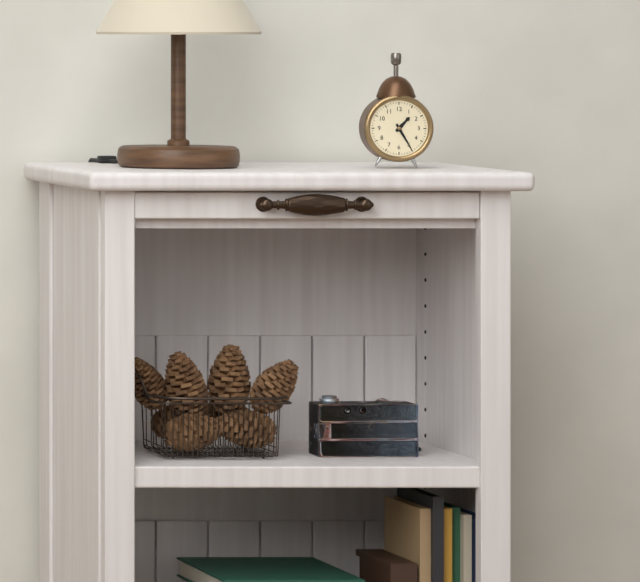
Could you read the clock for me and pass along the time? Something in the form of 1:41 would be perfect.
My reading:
1:25
